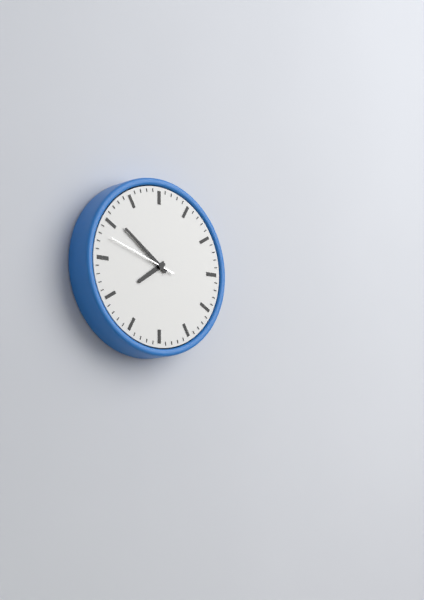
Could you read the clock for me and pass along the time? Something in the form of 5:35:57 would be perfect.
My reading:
7:51:48
